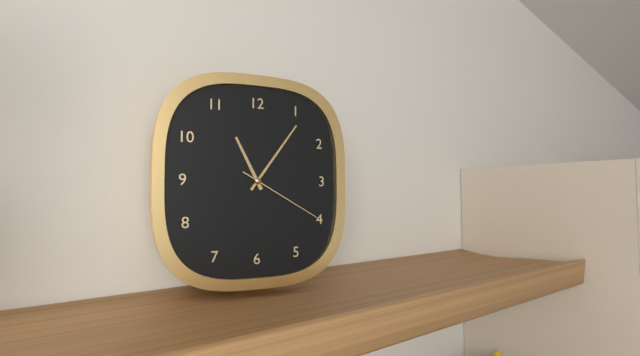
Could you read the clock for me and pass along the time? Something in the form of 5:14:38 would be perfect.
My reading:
11:06:20
